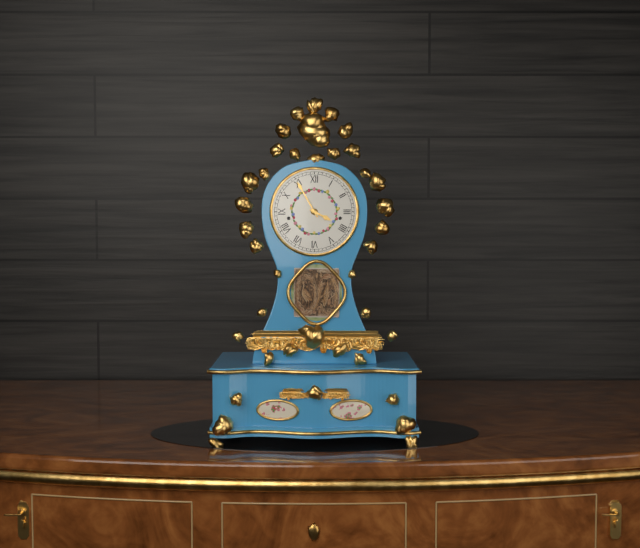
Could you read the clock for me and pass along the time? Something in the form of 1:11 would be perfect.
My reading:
3:55
